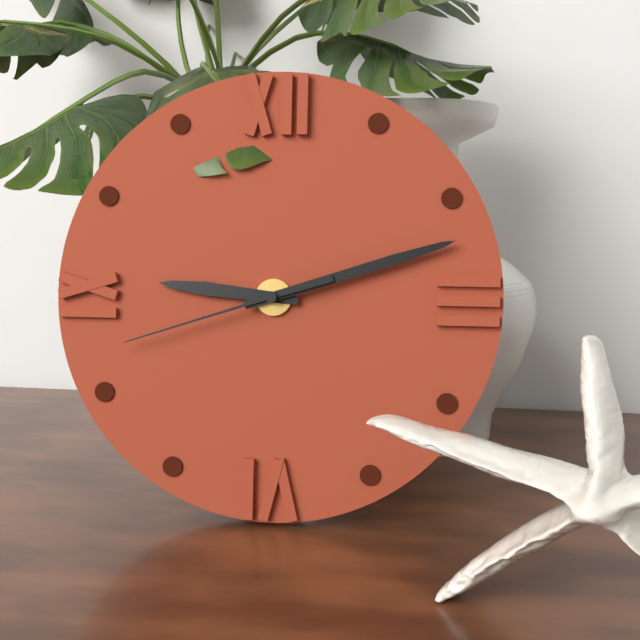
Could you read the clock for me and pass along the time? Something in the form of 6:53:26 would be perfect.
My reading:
9:12:42
